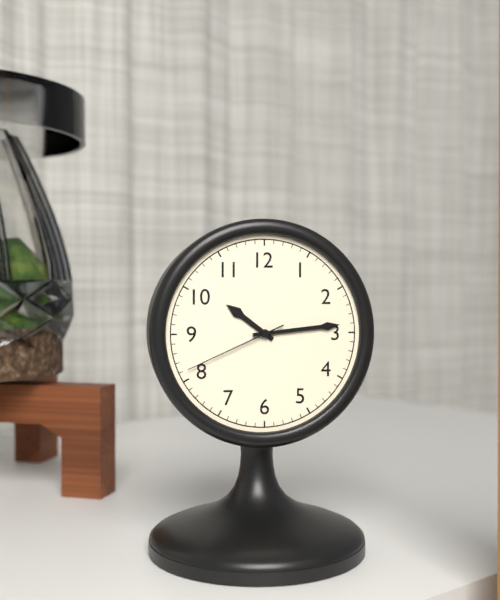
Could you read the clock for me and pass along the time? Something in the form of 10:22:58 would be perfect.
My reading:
10:14:41
